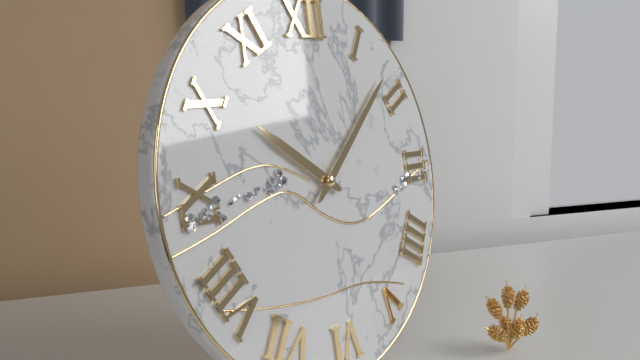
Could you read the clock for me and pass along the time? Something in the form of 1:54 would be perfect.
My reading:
10:08
